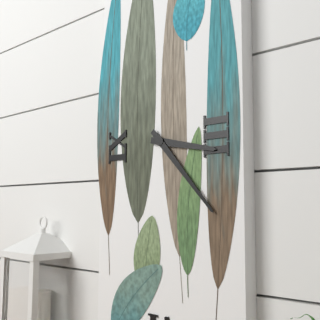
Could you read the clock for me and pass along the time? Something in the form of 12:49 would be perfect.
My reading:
3:23
